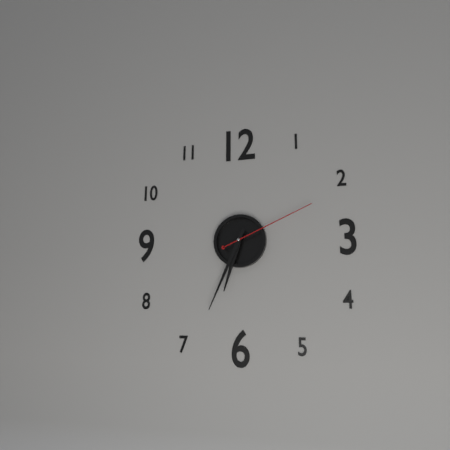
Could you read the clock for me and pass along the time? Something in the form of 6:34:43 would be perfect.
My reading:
6:34:11
